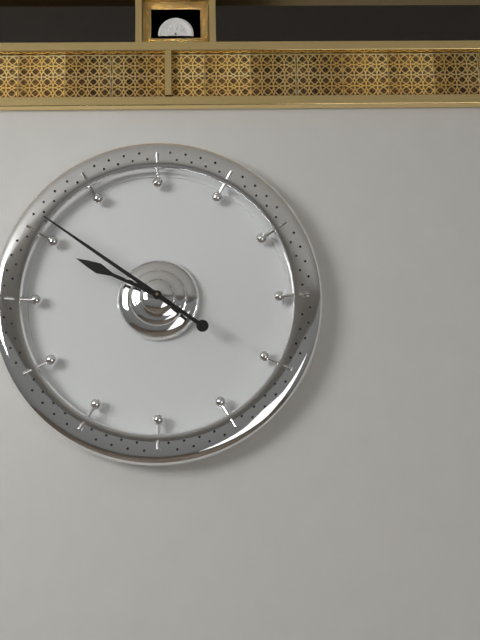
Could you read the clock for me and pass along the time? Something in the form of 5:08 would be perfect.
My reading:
9:51
